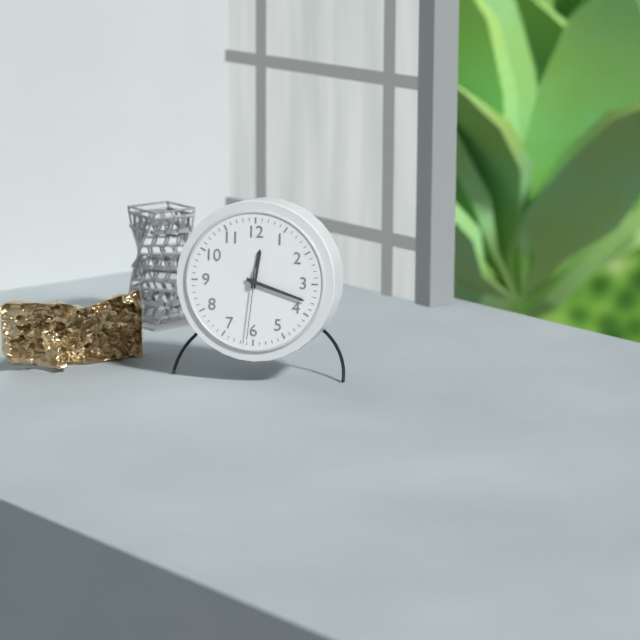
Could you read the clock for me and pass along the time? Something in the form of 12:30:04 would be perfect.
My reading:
12:18:31
